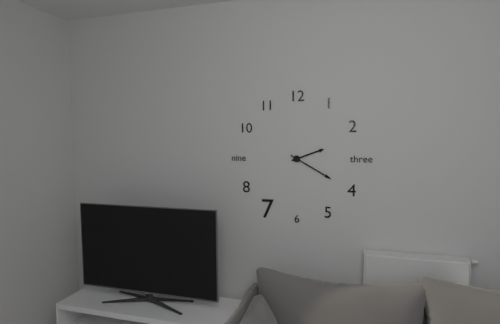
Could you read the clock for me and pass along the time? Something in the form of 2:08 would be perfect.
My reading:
2:20
